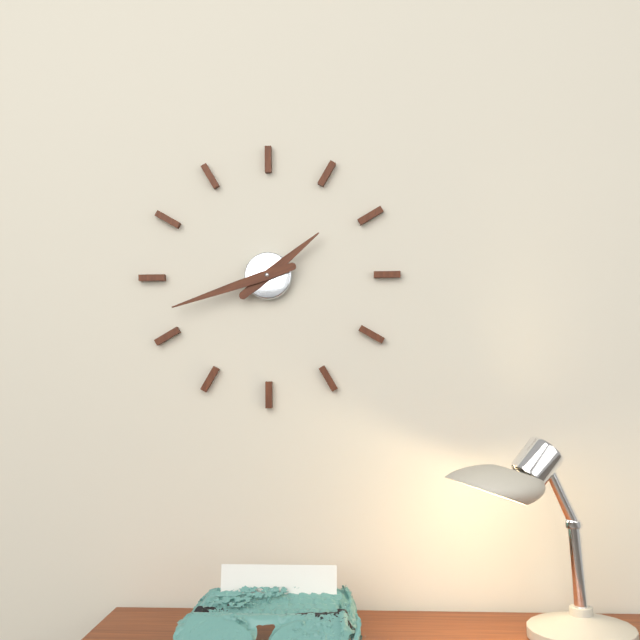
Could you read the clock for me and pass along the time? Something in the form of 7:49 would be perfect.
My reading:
1:42
